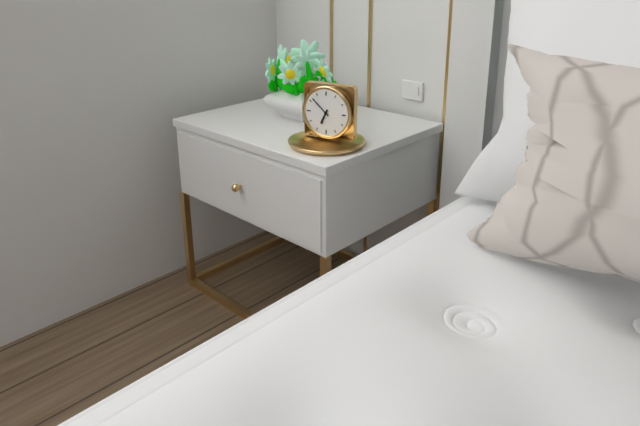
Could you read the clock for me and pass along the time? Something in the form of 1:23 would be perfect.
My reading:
6:52
